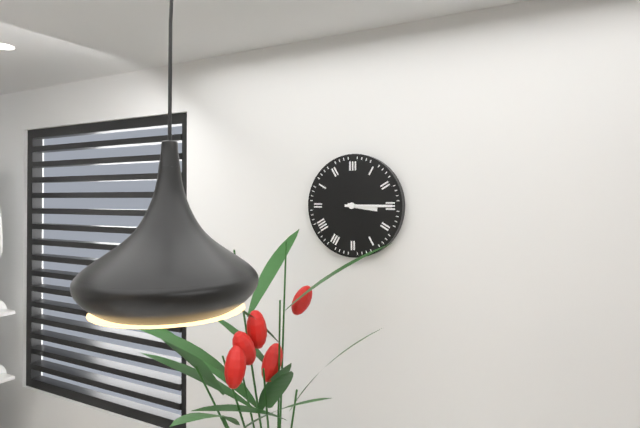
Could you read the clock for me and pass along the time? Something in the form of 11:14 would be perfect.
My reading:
3:15
